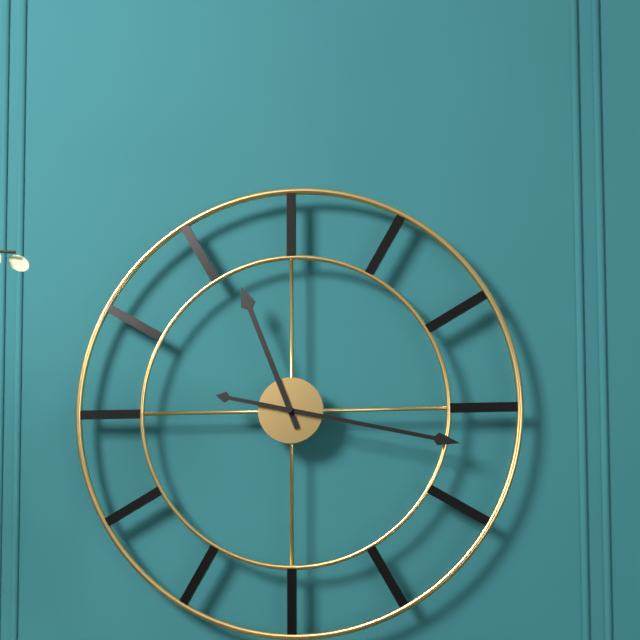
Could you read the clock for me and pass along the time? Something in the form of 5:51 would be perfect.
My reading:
11:17
